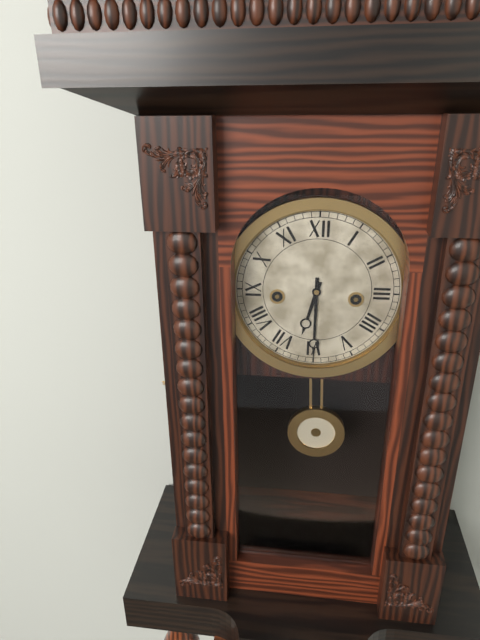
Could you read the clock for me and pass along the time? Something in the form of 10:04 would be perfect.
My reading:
6:30
